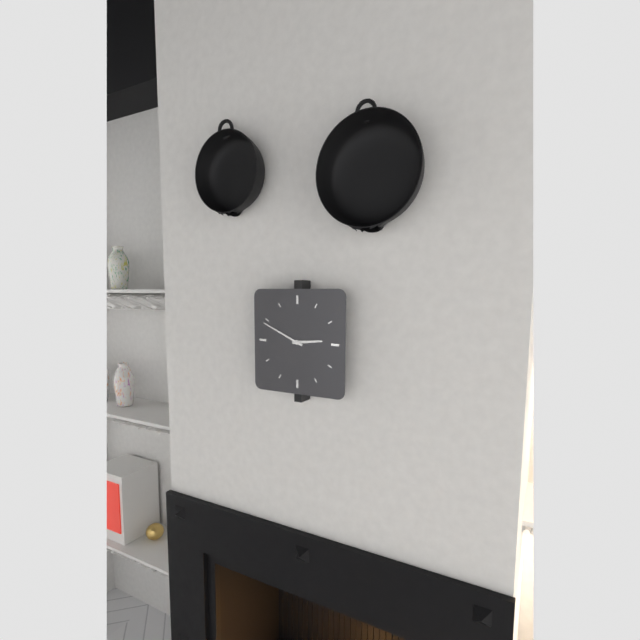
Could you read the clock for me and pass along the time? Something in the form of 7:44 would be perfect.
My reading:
2:49
